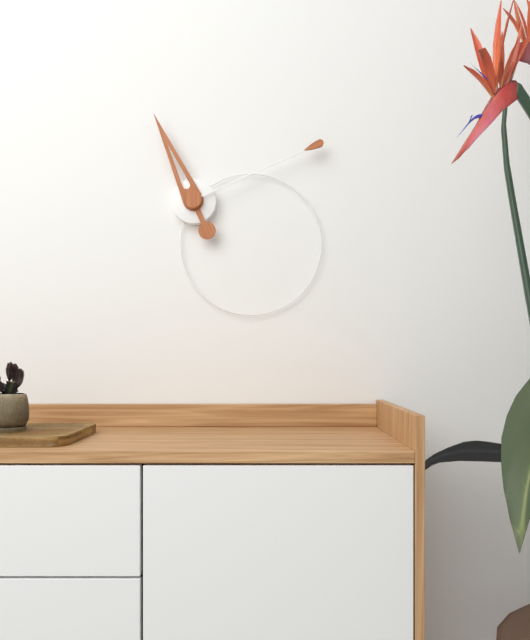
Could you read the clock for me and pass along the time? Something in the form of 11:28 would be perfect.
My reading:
11:11
